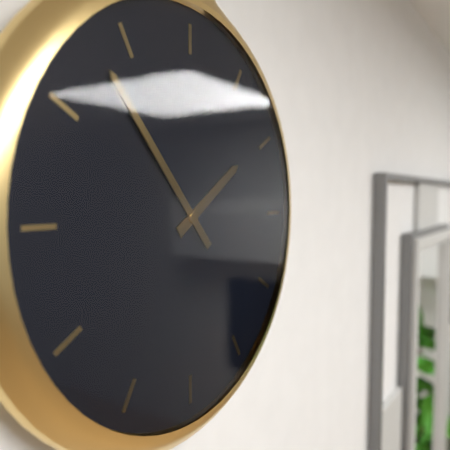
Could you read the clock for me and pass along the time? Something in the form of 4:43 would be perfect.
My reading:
1:53
